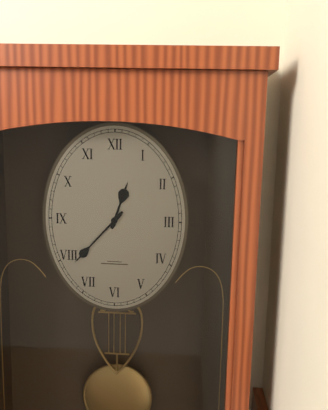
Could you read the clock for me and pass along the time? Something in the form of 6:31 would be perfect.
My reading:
12:37
